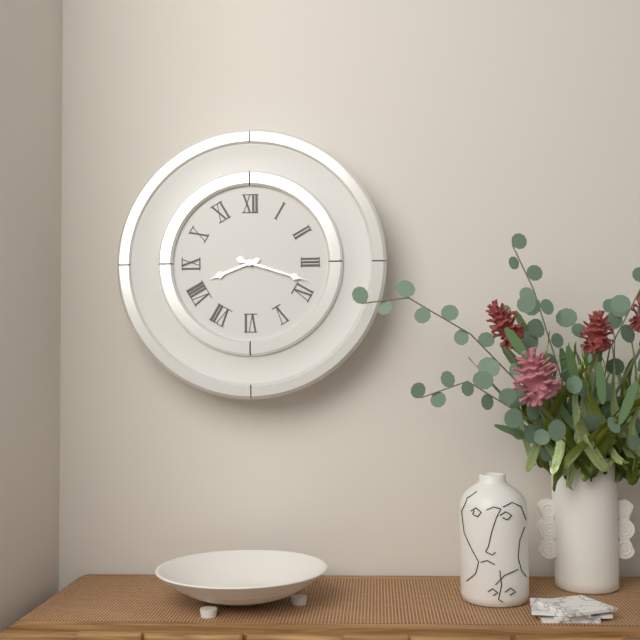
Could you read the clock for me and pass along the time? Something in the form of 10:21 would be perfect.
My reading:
8:18
